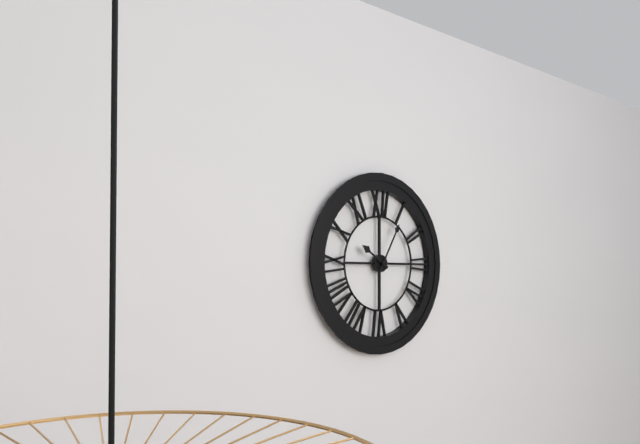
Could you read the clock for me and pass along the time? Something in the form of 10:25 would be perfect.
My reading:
10:05
